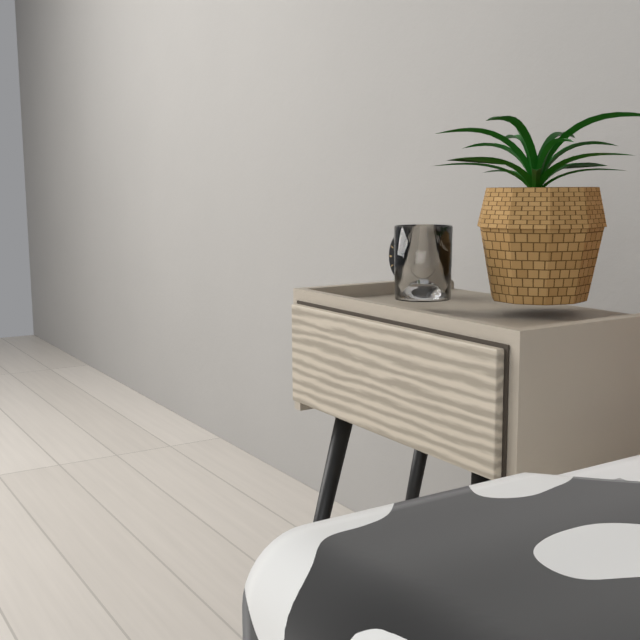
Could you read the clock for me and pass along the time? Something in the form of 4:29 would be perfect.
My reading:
6:55
